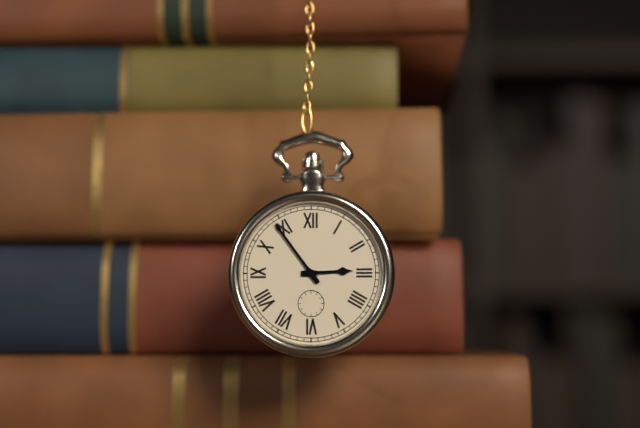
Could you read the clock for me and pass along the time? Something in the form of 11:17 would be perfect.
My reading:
2:54
